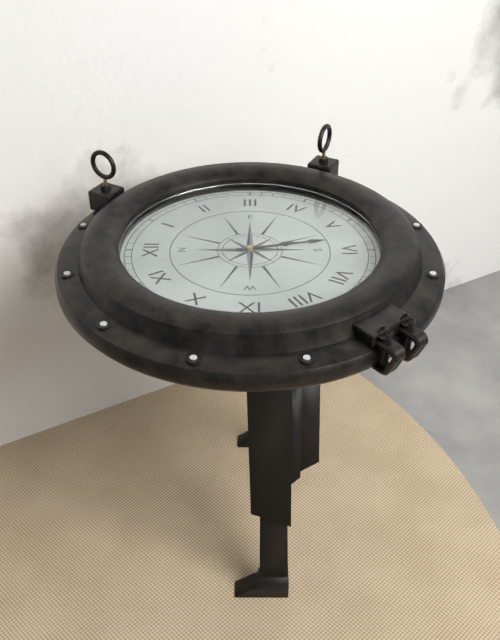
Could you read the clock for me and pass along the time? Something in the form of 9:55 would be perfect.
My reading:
5:28
